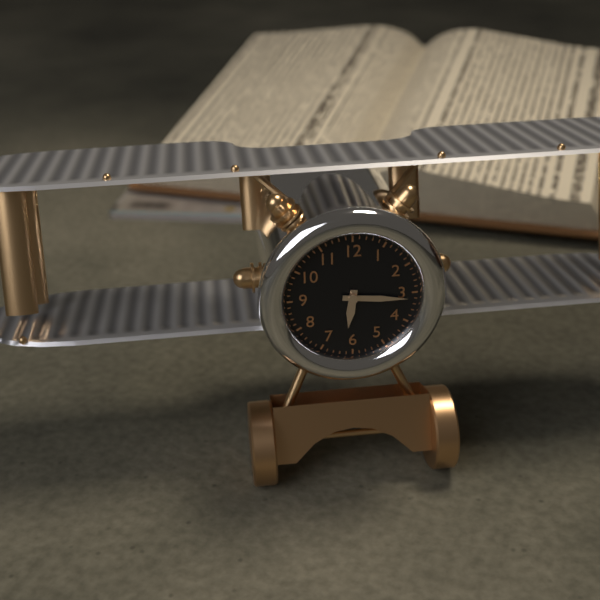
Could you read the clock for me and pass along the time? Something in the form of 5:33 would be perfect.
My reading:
6:16
